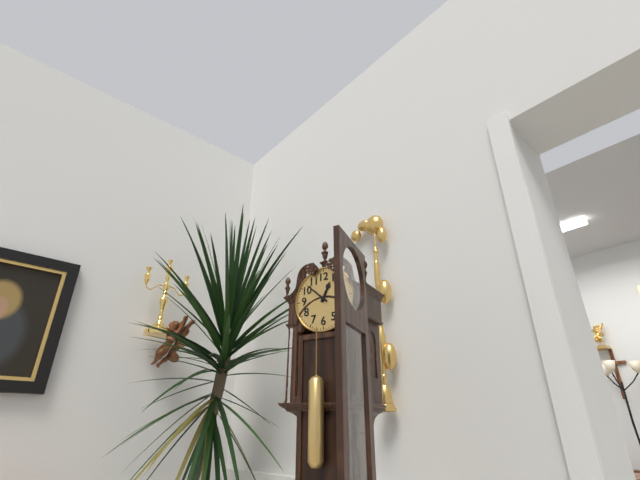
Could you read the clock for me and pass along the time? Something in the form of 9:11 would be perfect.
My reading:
12:52
